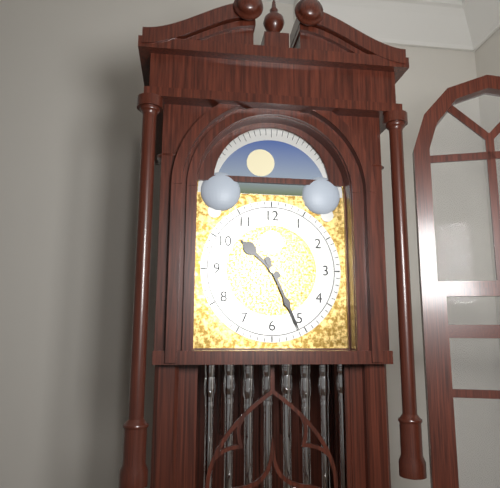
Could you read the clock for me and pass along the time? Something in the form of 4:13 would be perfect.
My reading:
10:26
